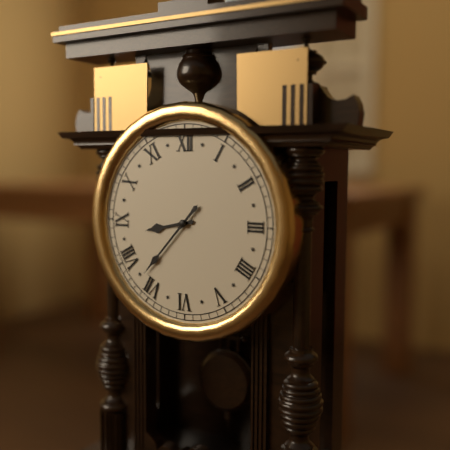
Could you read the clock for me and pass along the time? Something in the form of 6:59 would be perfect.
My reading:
8:37
